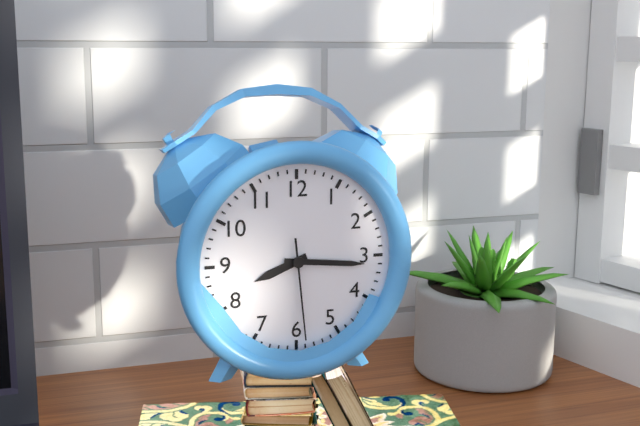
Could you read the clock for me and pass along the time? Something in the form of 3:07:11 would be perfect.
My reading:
8:16:29
